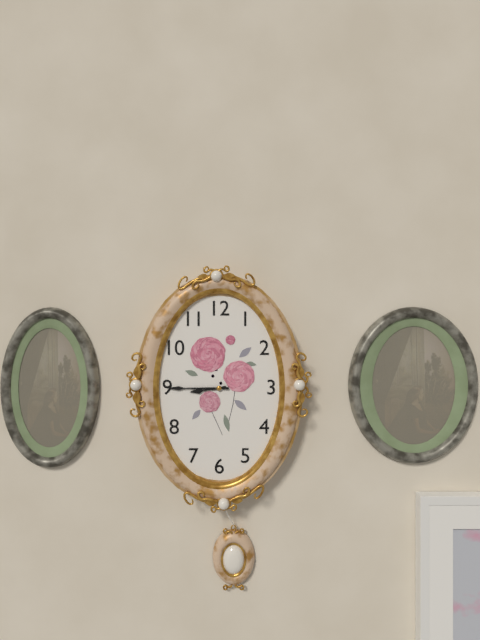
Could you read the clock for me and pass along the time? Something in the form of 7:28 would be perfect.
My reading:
8:45
